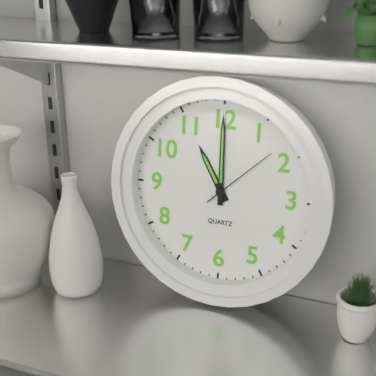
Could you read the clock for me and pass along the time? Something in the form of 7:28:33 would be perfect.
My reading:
11:00:08
